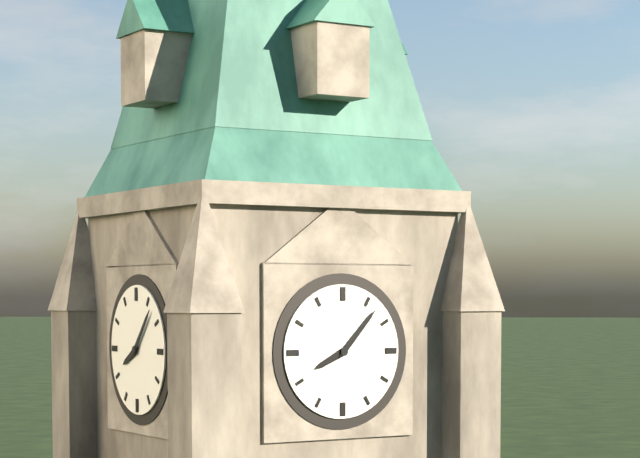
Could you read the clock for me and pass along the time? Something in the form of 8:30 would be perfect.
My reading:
8:07
